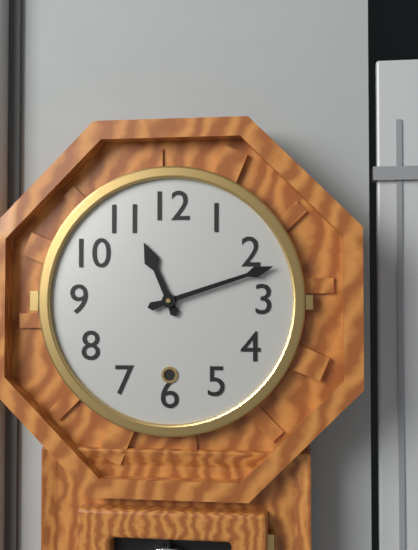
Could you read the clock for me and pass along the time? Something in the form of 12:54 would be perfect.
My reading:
11:12
